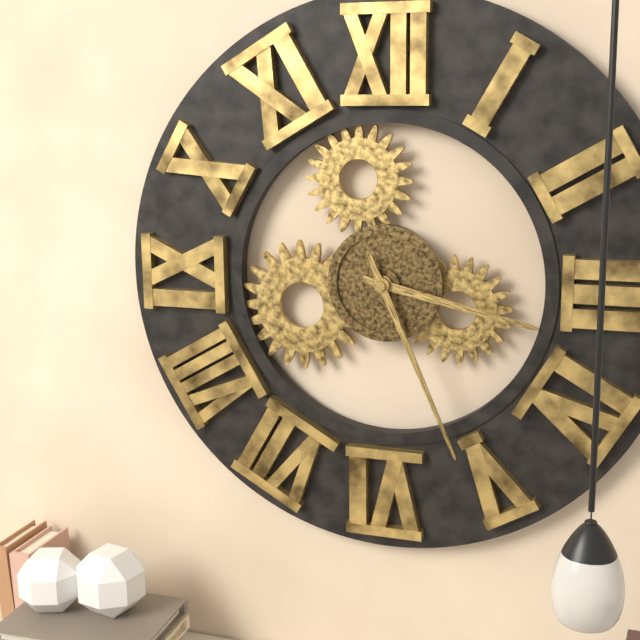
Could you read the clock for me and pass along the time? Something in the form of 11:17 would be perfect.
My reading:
3:26
